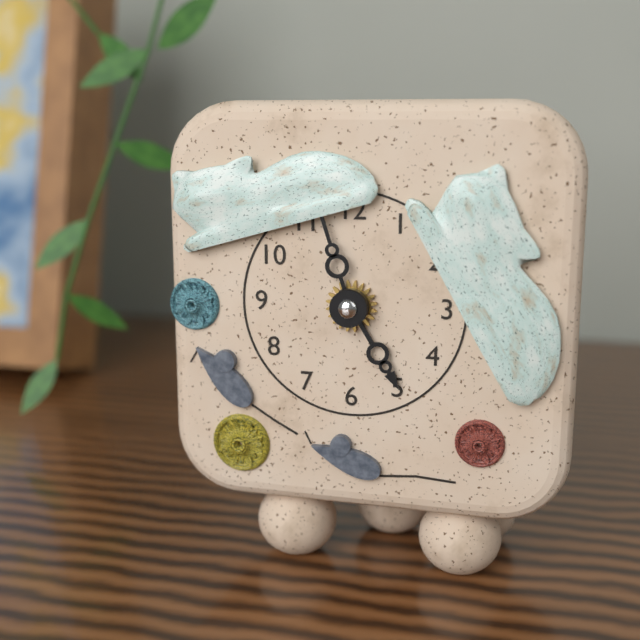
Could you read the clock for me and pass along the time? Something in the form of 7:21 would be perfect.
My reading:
4:57
